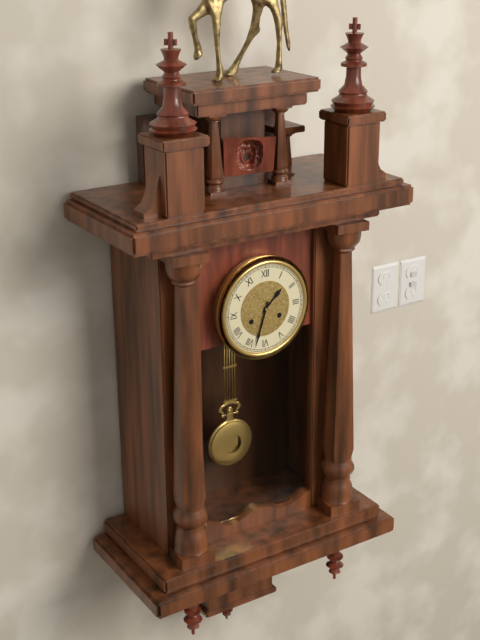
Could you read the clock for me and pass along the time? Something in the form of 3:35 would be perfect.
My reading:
1:33
